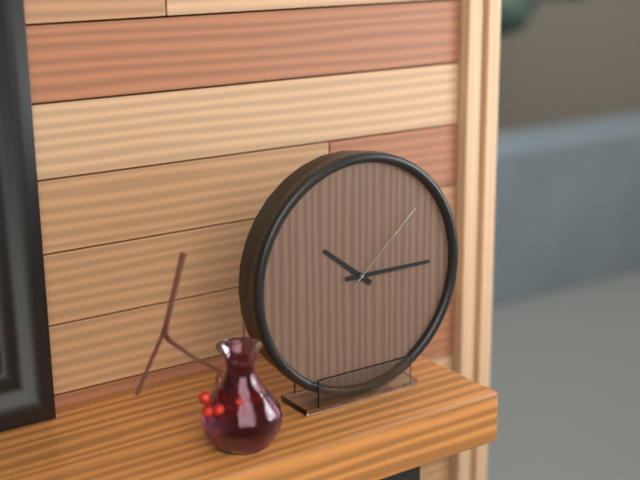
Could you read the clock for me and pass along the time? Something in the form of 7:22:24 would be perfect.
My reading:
10:15:08
